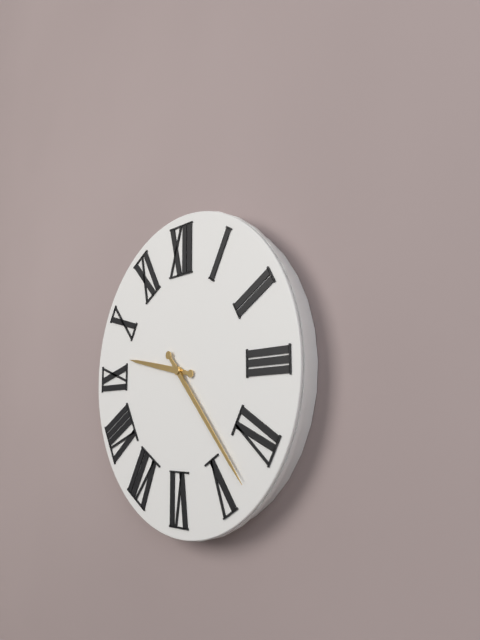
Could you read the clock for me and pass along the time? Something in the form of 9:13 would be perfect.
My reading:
9:23
